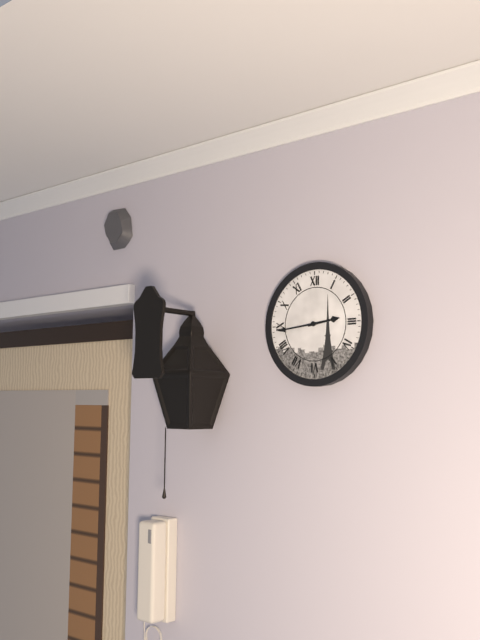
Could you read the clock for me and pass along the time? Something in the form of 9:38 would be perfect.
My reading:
2:44
